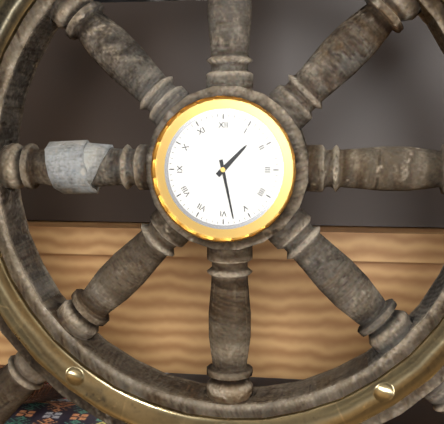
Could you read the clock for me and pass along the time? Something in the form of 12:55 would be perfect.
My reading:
1:28
